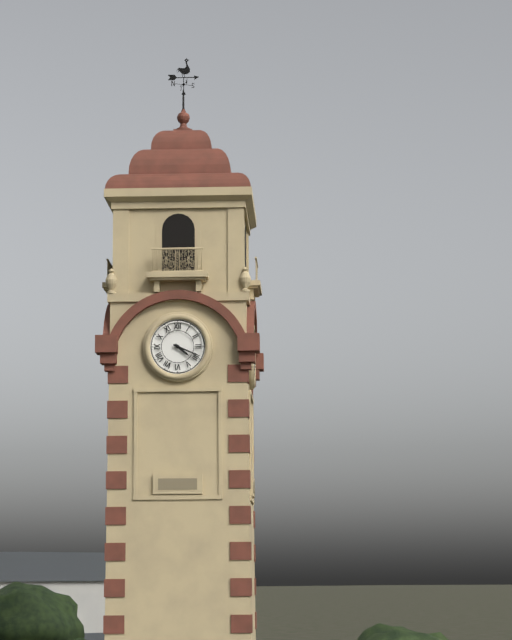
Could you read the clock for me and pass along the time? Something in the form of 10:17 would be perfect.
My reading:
4:19
